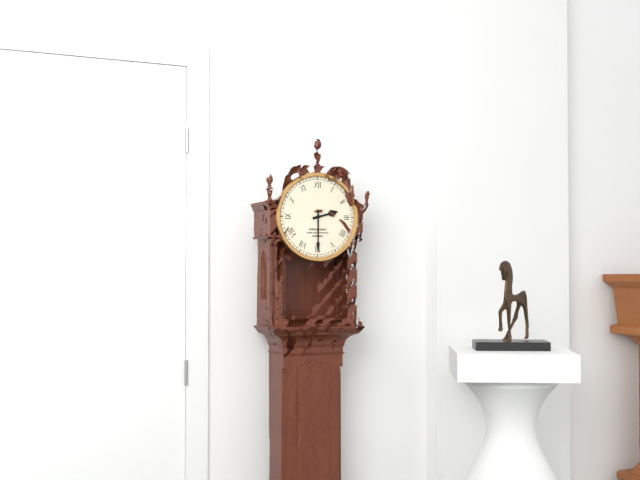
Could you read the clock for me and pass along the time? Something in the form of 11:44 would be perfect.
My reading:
2:30
